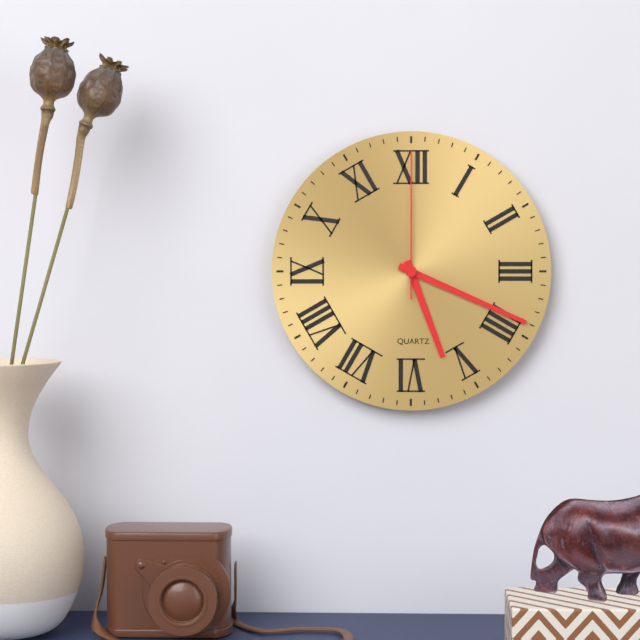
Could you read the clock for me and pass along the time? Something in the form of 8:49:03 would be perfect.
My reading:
5:19:00
